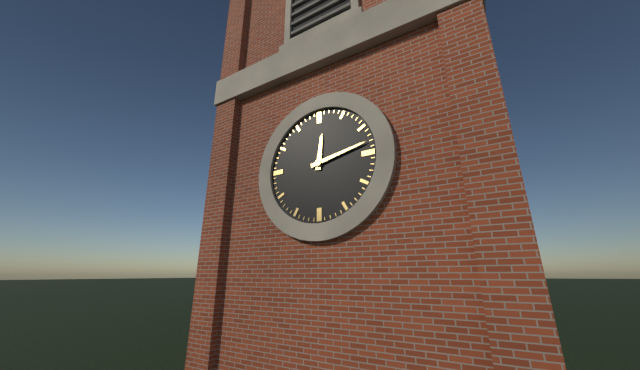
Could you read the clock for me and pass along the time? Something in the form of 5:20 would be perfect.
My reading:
12:13
